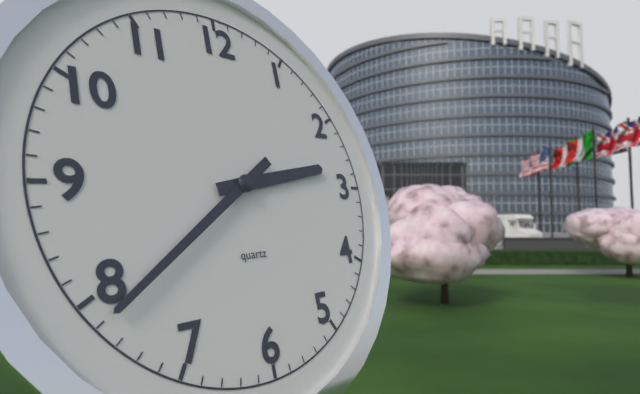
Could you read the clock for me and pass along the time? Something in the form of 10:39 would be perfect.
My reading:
2:39
